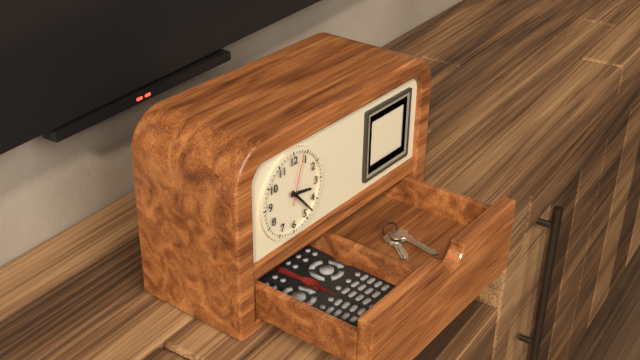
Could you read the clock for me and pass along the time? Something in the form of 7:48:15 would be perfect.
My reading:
3:23:03
